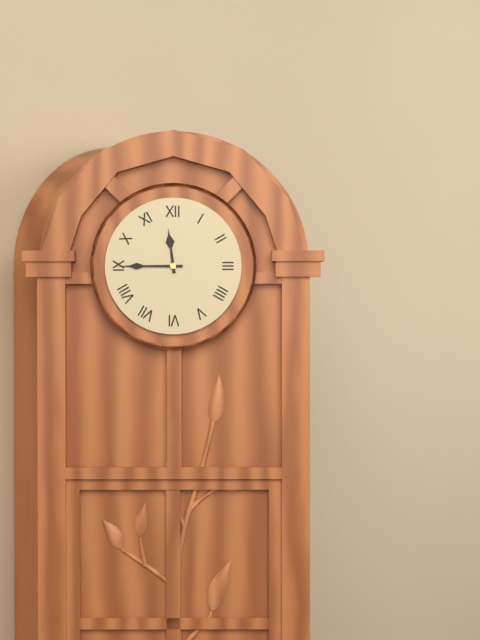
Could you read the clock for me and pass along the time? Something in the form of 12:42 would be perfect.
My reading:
11:45
